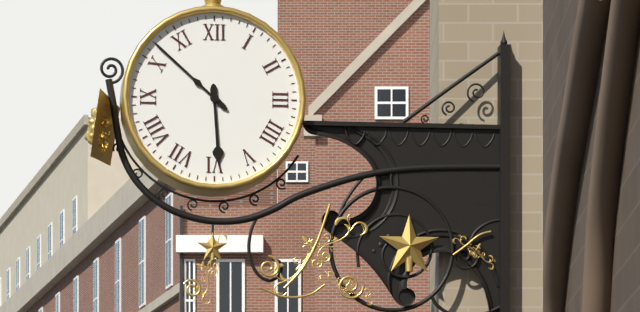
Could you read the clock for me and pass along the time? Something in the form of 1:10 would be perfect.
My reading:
5:52
